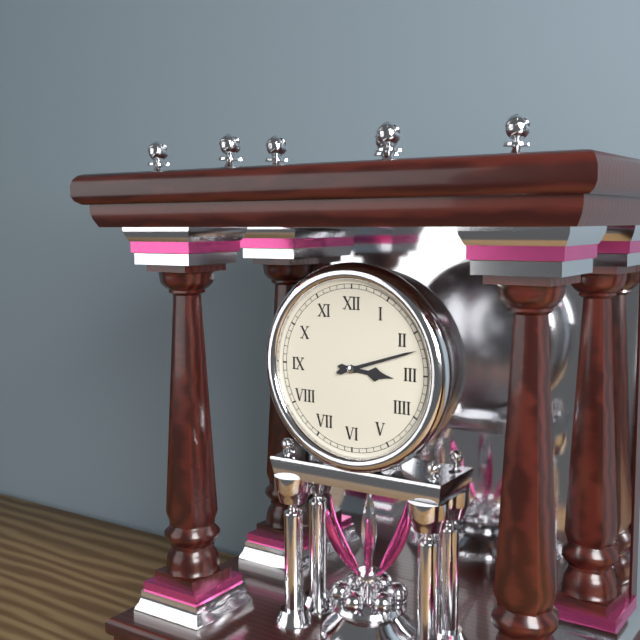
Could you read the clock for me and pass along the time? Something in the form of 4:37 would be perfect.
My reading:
3:12
